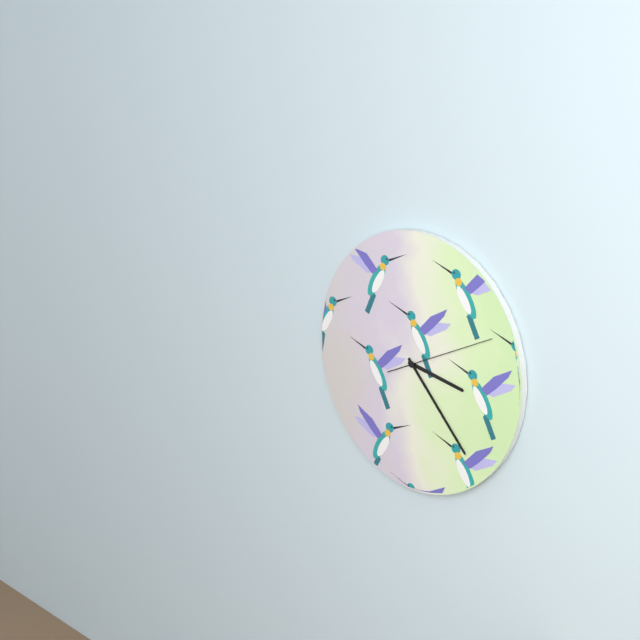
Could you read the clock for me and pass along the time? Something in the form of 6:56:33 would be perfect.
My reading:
3:23:11
